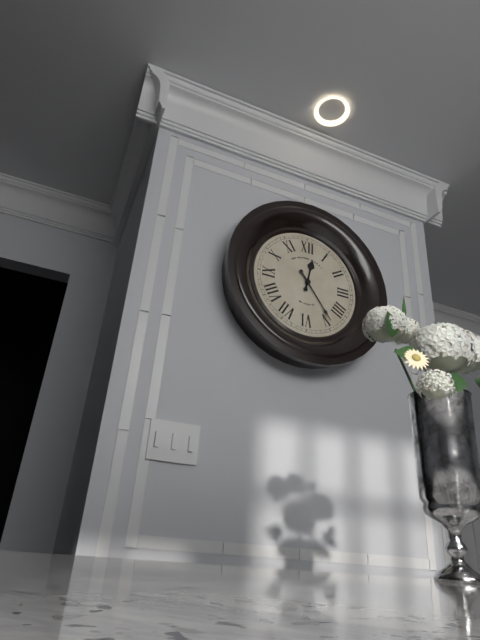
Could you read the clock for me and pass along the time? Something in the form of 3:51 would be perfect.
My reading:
12:24
